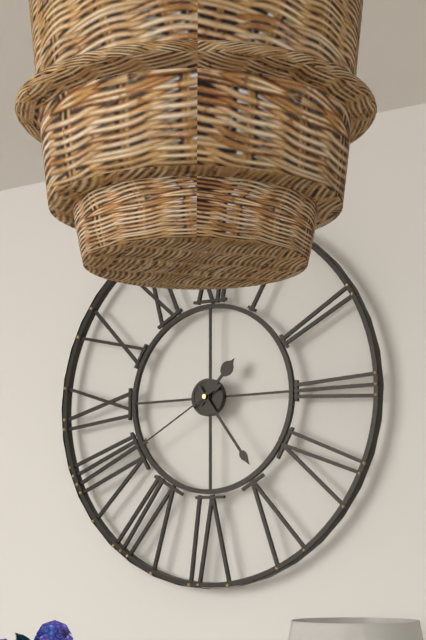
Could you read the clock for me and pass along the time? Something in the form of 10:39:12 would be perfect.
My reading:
1:24:40
